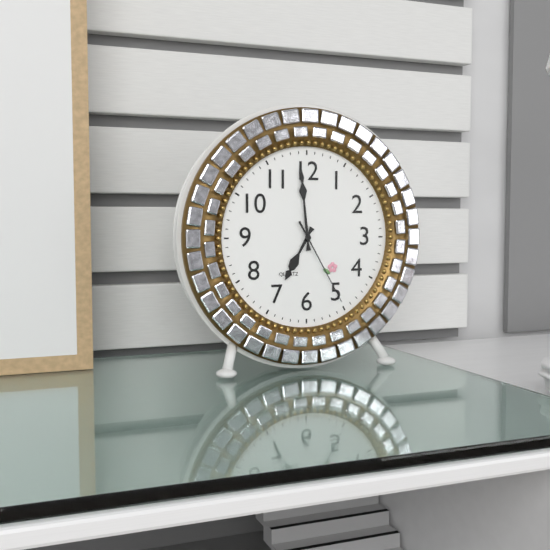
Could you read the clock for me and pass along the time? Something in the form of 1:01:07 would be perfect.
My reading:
6:59:25
